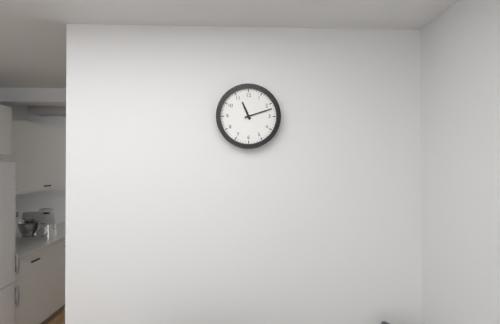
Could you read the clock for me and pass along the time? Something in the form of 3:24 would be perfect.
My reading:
11:12
